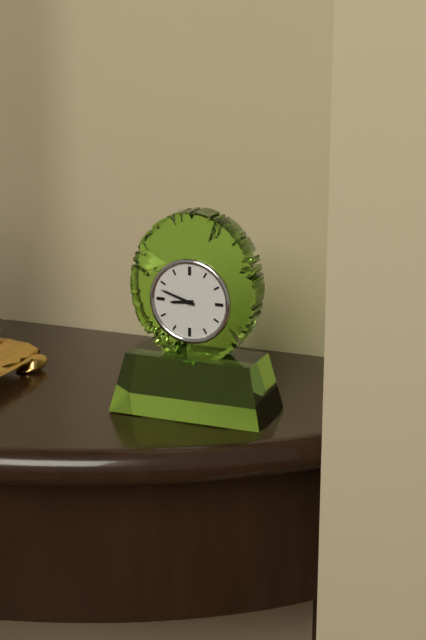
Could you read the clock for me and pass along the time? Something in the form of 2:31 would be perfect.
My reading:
8:48
